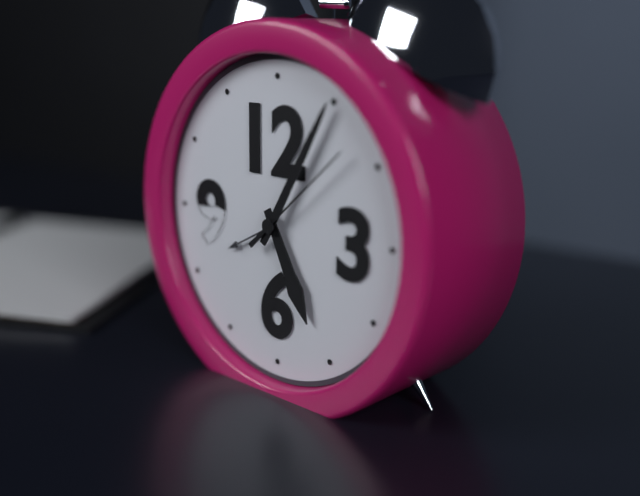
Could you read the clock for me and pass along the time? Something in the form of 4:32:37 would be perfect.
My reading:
5:05:08
